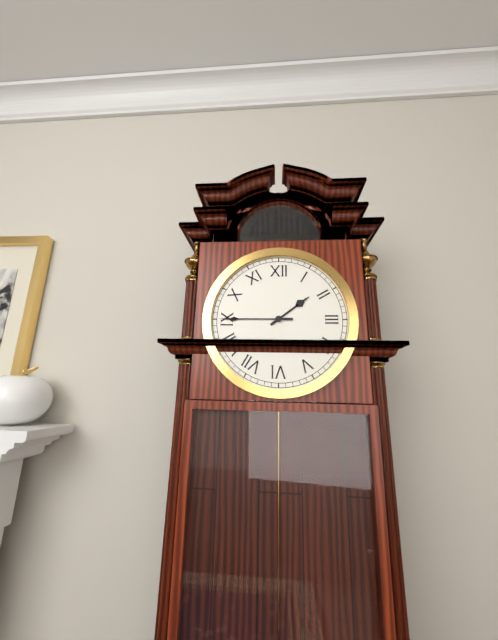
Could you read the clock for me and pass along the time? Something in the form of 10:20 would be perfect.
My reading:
1:45
